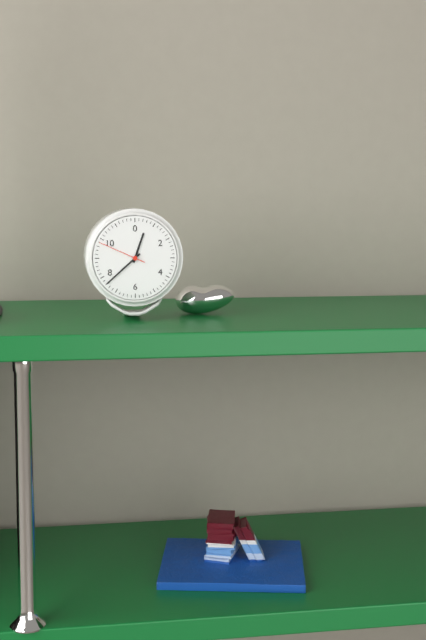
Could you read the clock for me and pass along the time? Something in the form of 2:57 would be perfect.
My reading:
12:38
